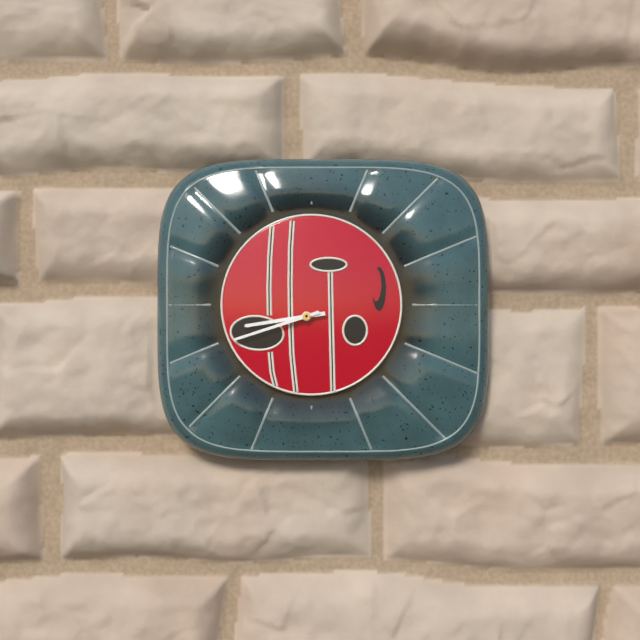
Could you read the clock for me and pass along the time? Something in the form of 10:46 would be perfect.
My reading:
8:42
